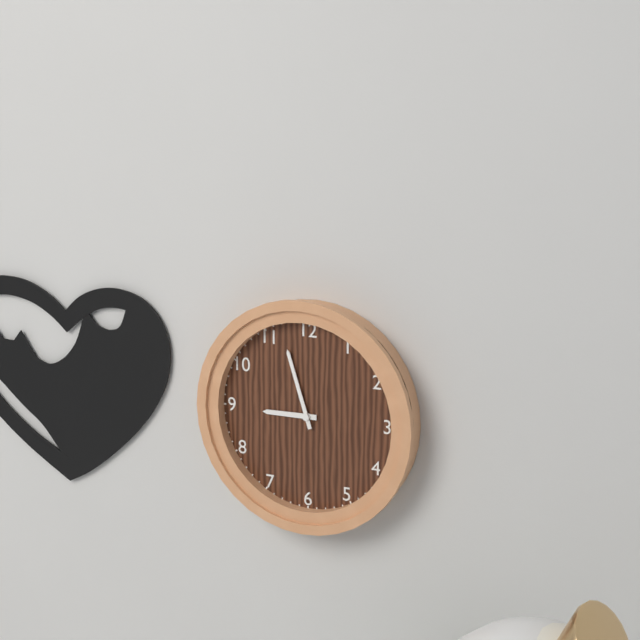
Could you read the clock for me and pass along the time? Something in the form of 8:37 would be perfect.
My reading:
8:57
